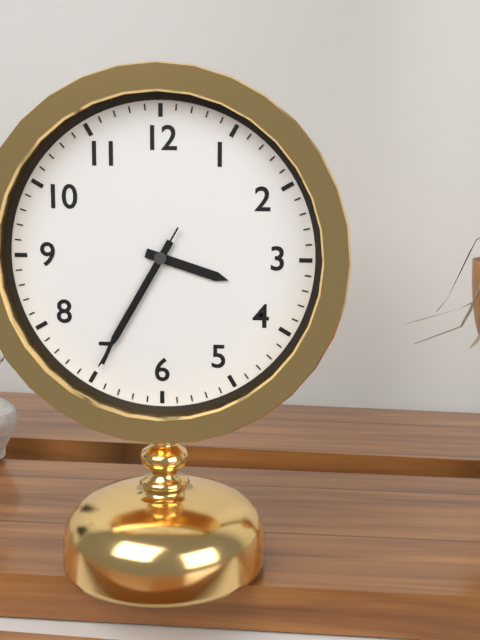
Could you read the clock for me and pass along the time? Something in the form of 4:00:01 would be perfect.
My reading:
3:35:35
